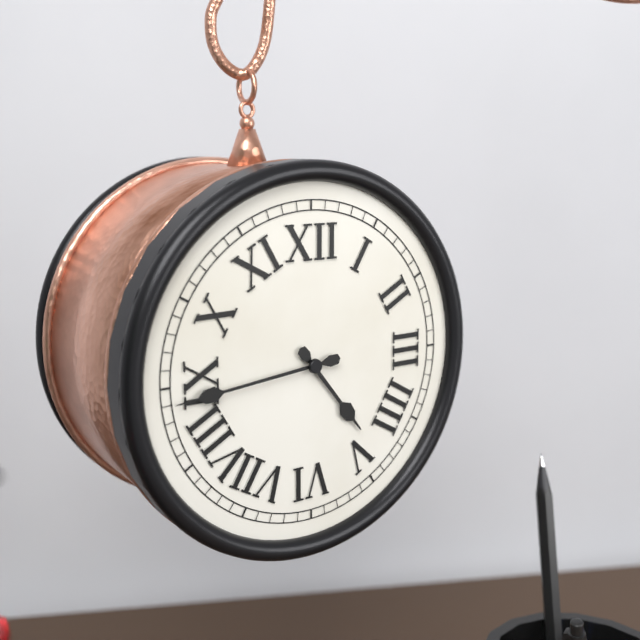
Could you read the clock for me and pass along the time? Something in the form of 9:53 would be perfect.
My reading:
4:44
